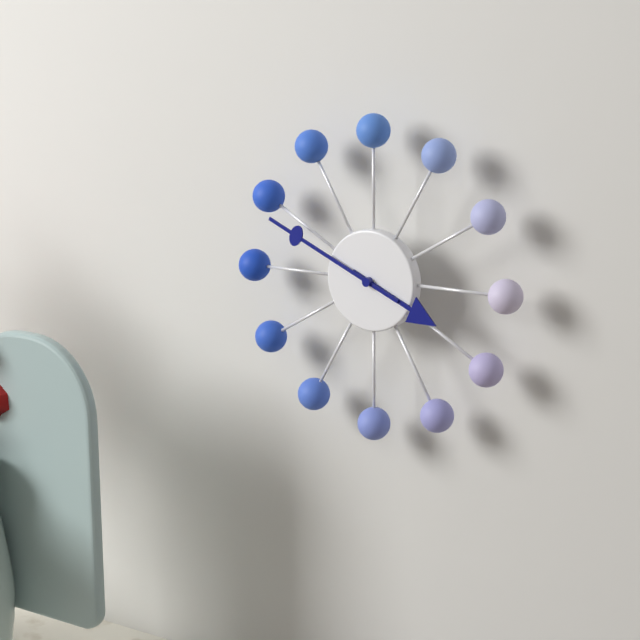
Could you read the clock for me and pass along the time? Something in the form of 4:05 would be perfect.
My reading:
3:49
